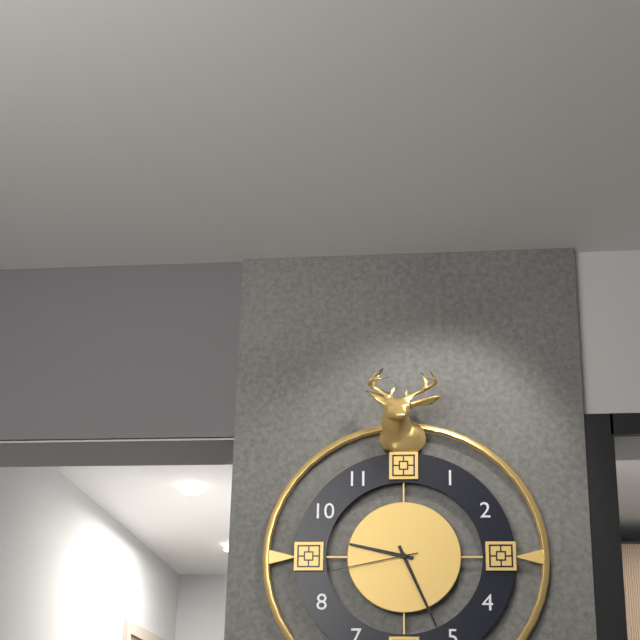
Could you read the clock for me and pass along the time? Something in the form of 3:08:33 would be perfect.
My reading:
9:26:43
